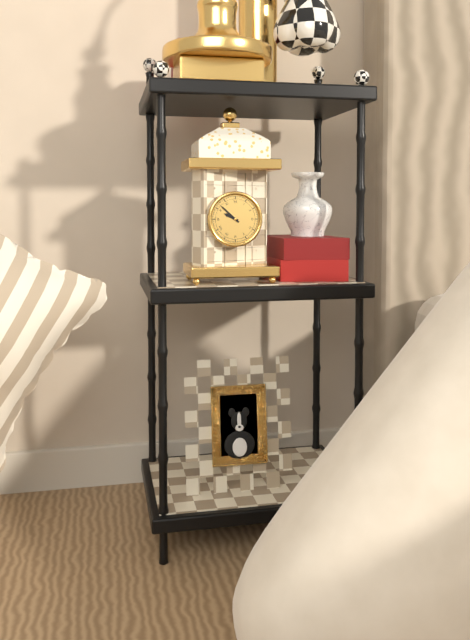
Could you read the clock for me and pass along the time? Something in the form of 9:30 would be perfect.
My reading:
9:52
